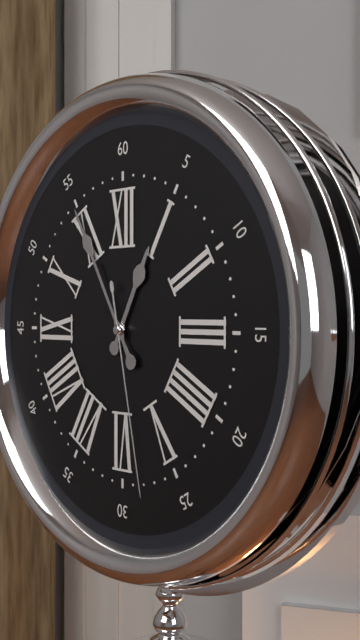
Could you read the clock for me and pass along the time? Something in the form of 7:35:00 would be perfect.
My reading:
12:55:28
